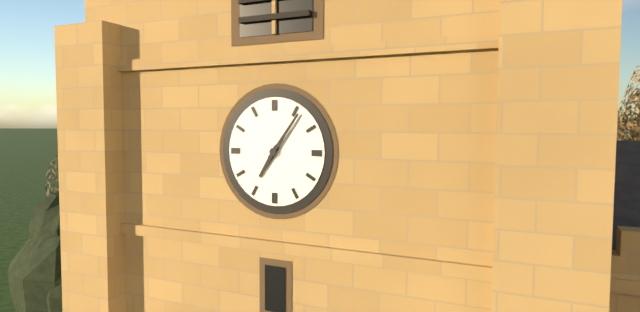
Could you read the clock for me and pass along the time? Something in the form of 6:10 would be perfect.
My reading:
7:06
